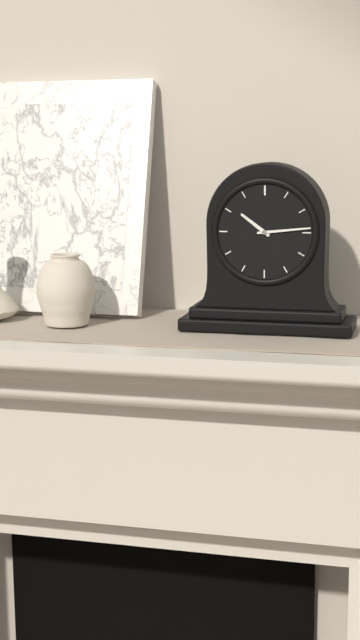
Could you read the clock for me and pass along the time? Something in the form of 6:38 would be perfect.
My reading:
10:14
